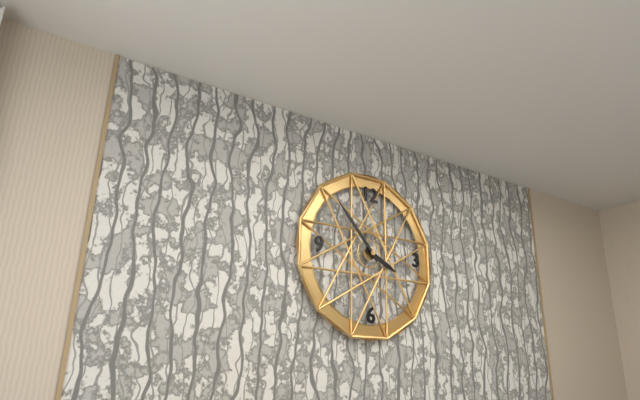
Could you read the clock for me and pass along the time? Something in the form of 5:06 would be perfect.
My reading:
3:53
